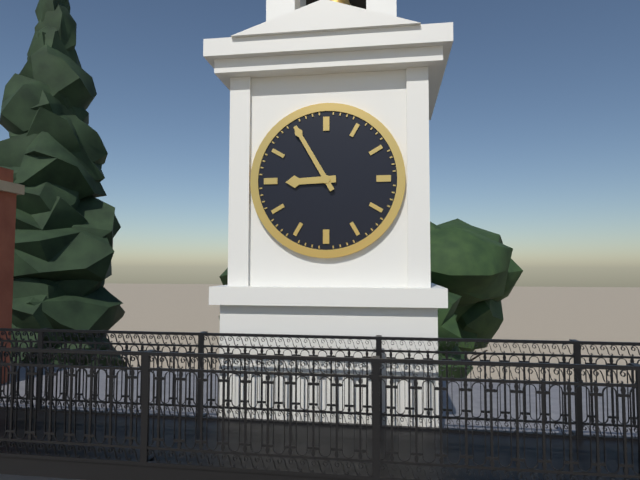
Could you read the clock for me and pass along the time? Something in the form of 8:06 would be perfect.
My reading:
8:55
